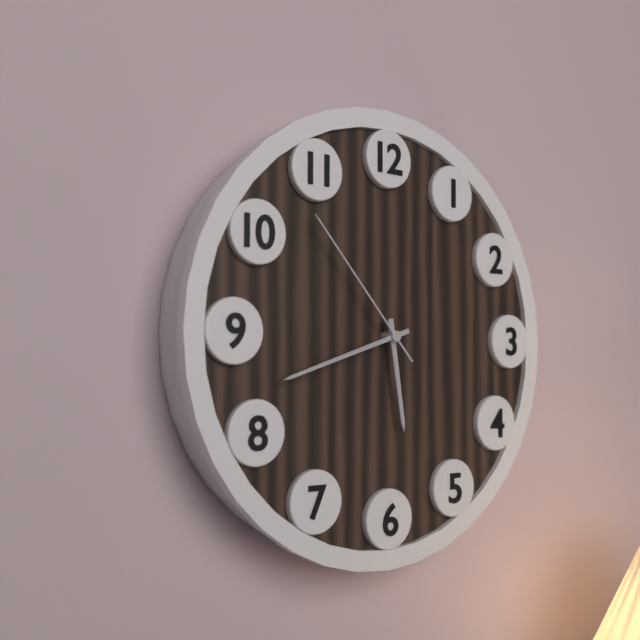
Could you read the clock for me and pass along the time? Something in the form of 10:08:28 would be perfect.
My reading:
5:42:53
